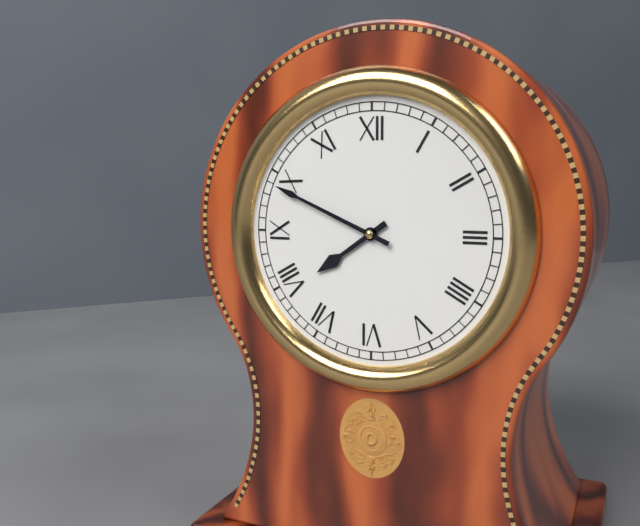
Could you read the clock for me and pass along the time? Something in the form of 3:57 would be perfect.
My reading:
7:49
